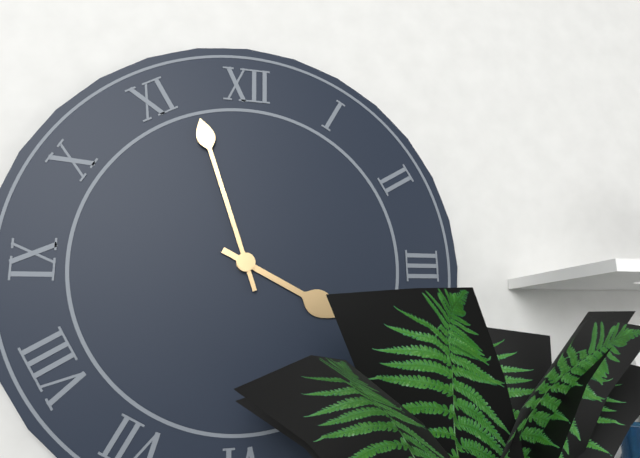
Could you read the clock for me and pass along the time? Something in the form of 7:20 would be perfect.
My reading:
3:57
